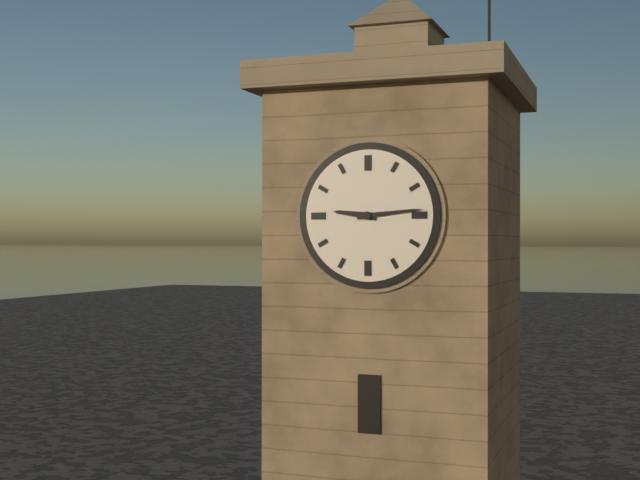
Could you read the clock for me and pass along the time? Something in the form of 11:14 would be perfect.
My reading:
9:14
